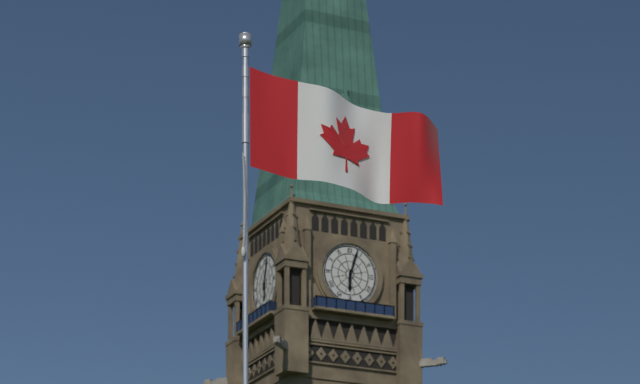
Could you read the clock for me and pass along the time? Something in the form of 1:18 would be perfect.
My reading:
6:03
